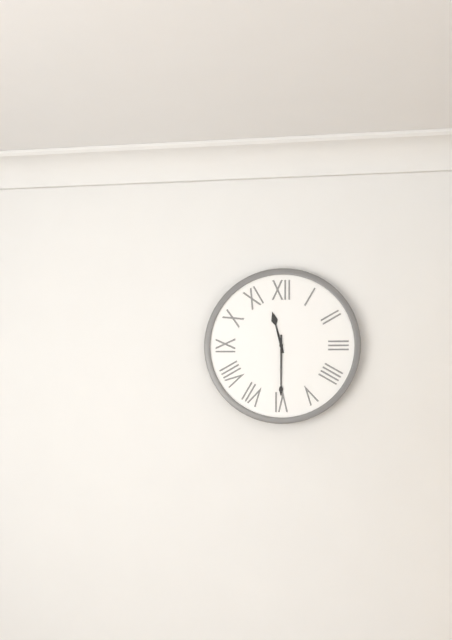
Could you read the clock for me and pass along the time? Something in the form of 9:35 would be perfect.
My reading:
11:30
